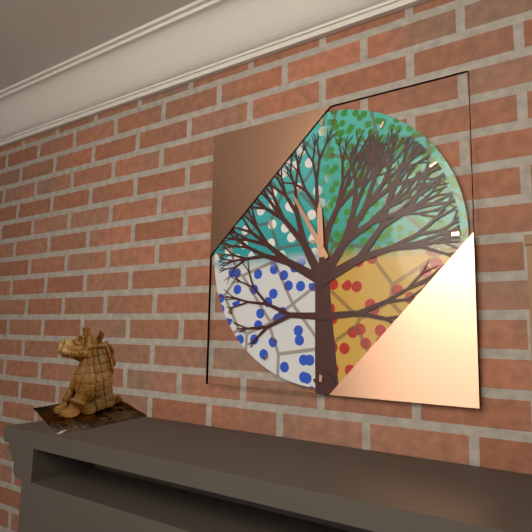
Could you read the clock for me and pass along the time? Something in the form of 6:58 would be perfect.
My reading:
11:55
